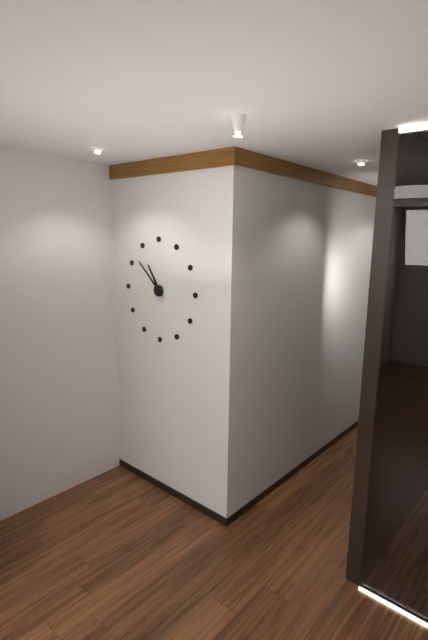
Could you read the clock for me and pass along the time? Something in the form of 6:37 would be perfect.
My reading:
10:52
